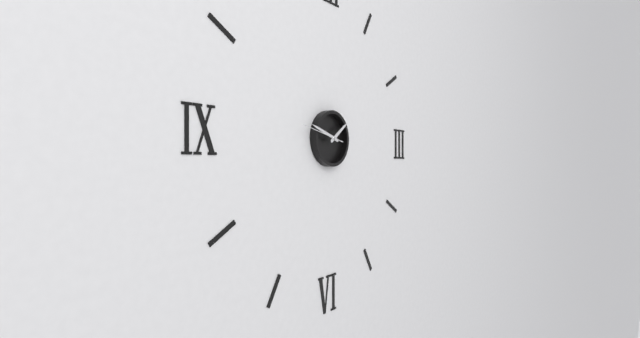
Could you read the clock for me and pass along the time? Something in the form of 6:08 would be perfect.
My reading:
1:48
